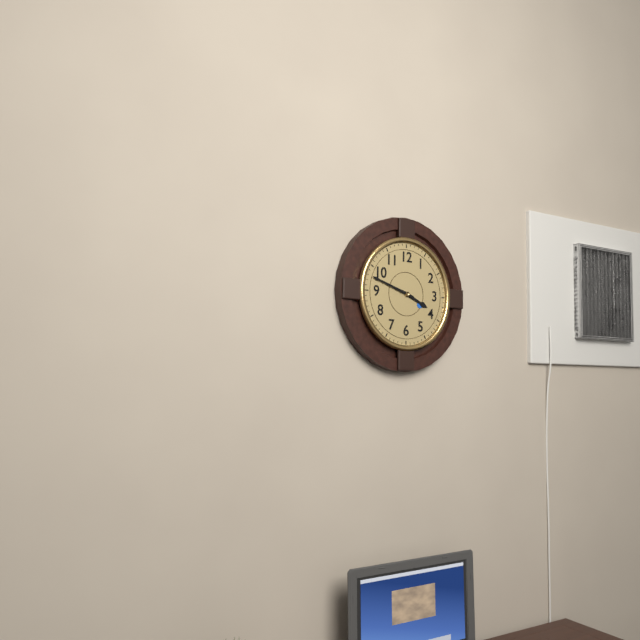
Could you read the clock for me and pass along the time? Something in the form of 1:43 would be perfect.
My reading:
3:48
